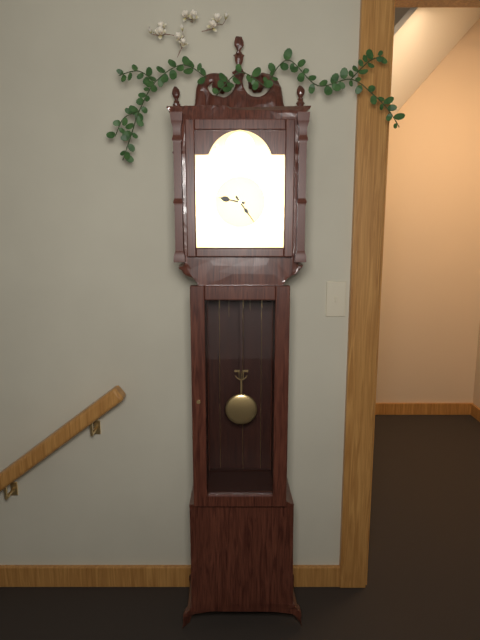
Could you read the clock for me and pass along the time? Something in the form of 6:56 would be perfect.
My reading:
9:24
